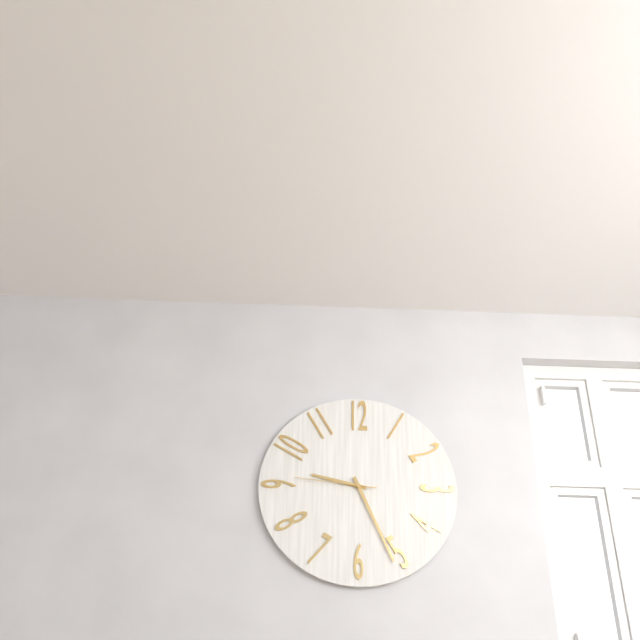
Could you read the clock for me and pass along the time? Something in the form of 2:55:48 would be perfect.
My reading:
9:26:46
